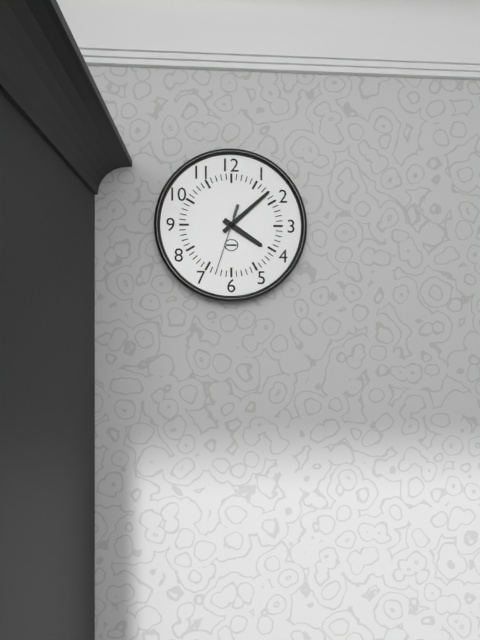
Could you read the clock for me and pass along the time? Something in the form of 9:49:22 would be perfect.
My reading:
4:08:33
